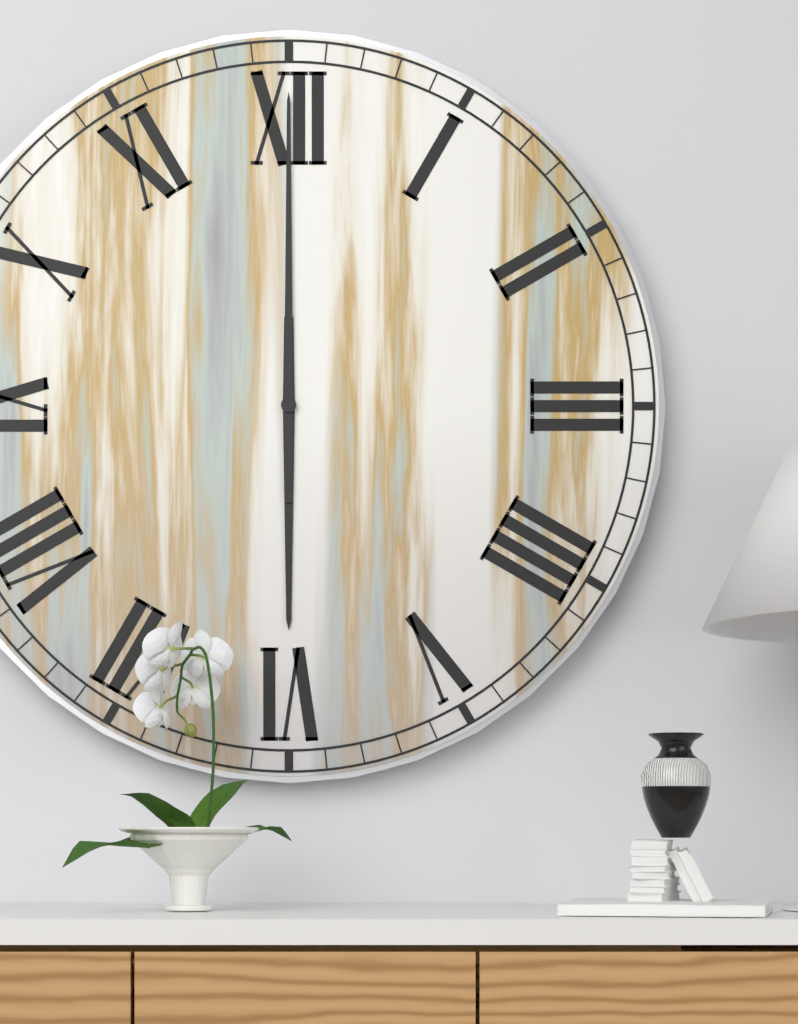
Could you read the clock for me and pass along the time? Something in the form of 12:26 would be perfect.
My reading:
6:00
